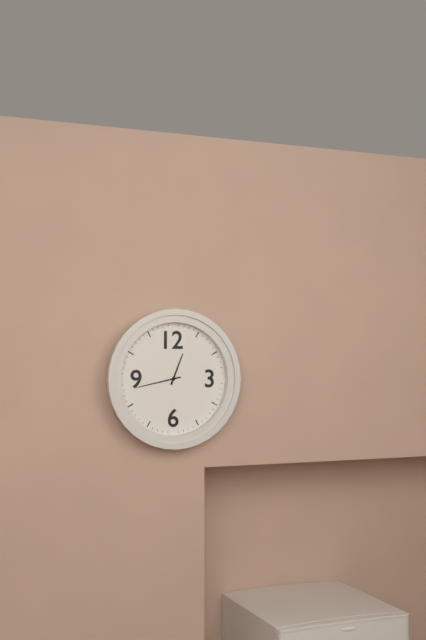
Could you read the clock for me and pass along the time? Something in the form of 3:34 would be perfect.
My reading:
12:43
